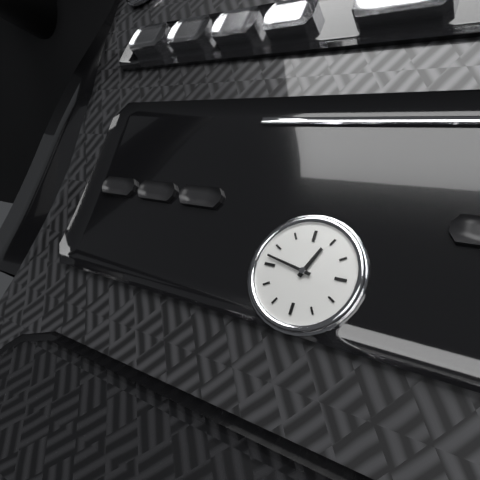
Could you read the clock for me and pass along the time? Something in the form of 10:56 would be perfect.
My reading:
12:47
